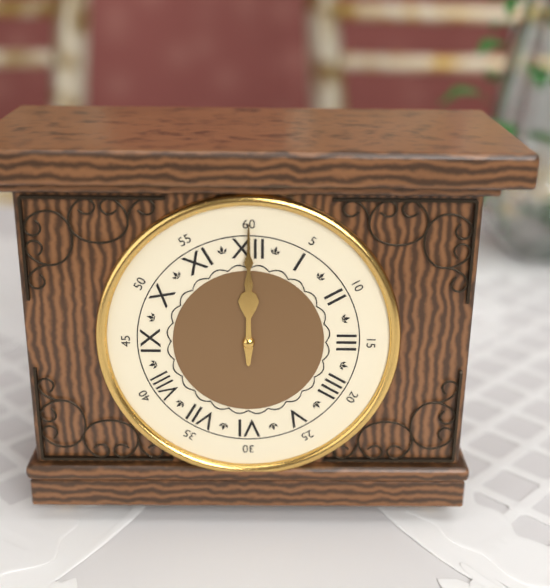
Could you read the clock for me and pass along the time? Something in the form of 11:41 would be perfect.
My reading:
12:00
